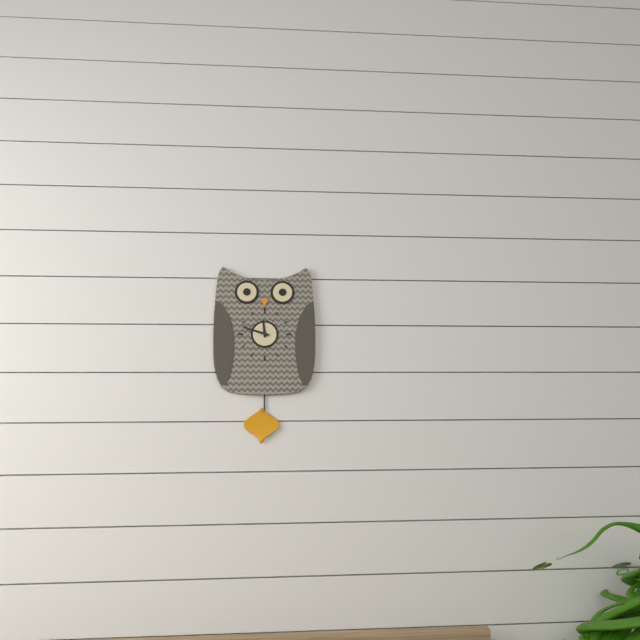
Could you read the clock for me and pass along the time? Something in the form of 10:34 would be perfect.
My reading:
11:48
